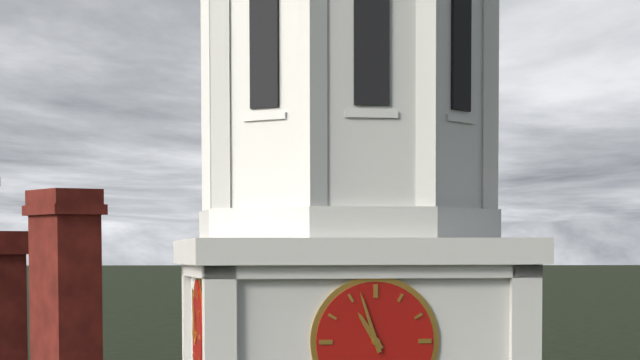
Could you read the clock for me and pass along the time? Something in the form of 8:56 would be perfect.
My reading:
10:57
